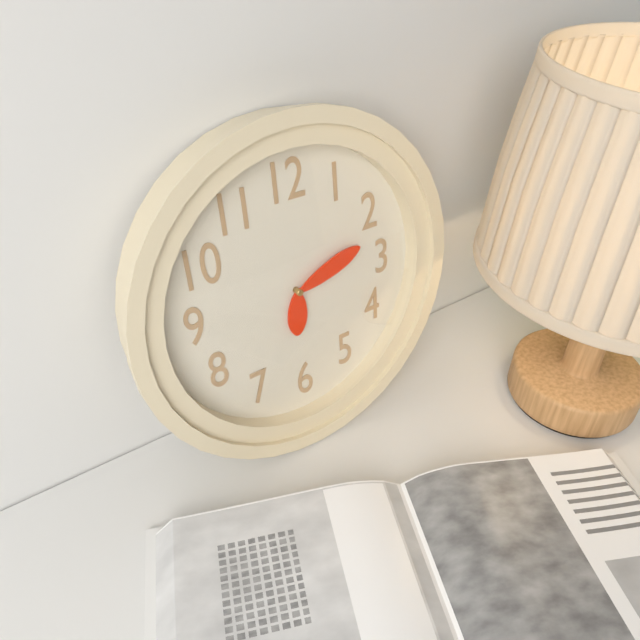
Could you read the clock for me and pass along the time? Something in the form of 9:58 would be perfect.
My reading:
6:12
